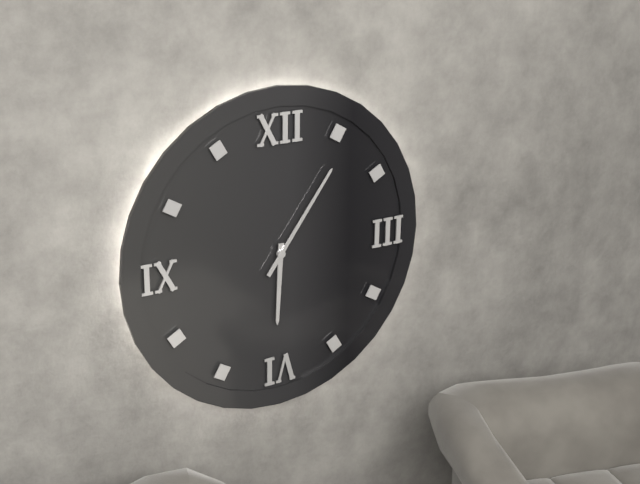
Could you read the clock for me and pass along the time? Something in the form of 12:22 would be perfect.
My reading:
6:06
